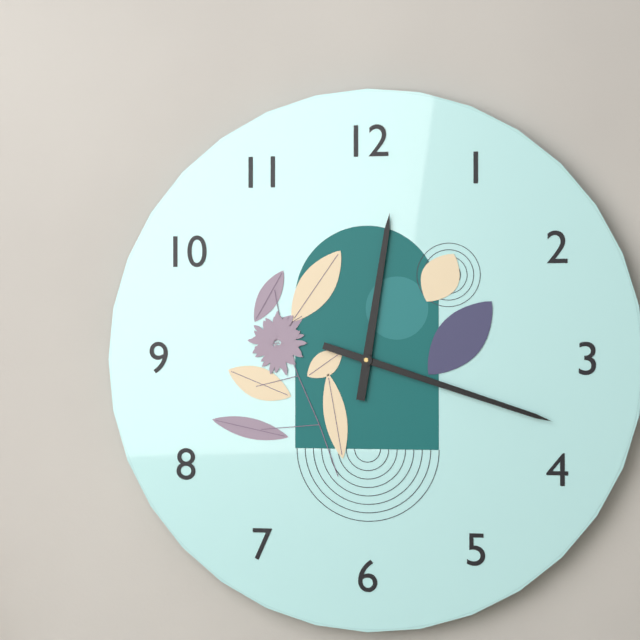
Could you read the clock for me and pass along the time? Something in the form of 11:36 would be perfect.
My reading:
12:18
